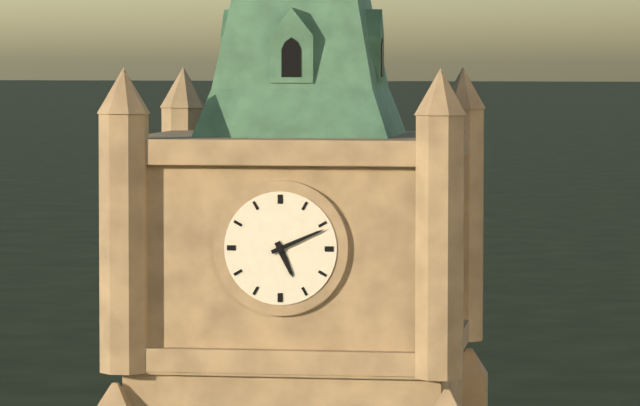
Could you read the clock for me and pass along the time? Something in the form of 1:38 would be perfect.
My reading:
5:11
